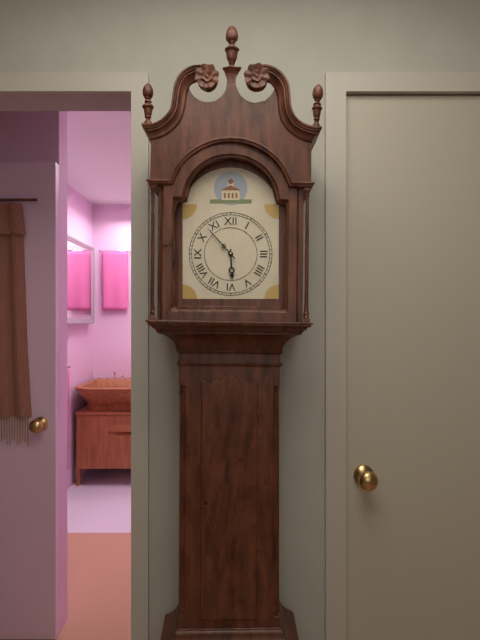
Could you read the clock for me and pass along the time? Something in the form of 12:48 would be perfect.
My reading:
5:53
